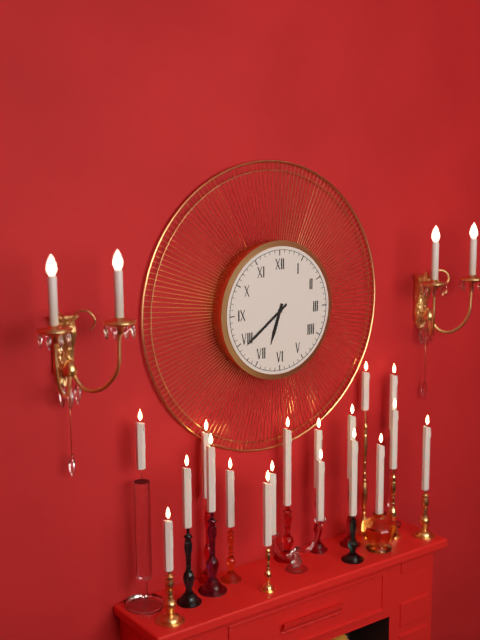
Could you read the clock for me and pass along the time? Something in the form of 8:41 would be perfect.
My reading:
6:39
